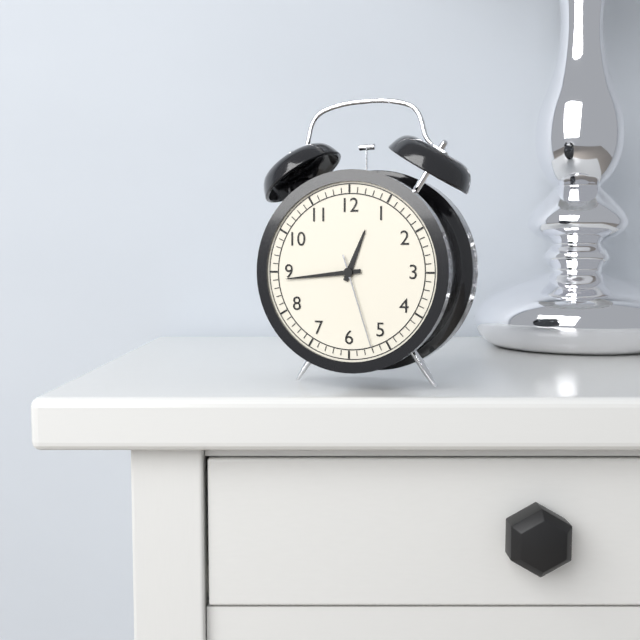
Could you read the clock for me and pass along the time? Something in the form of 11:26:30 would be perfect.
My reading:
12:44:27
